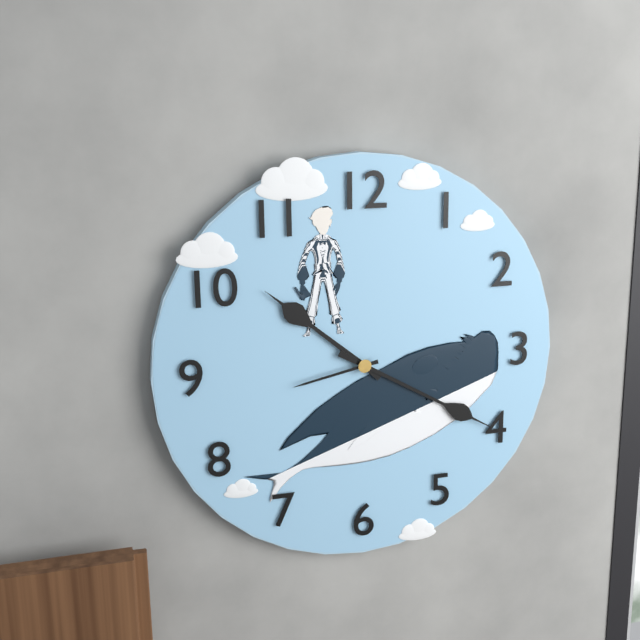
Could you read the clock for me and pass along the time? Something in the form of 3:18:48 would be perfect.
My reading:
10:20:43
